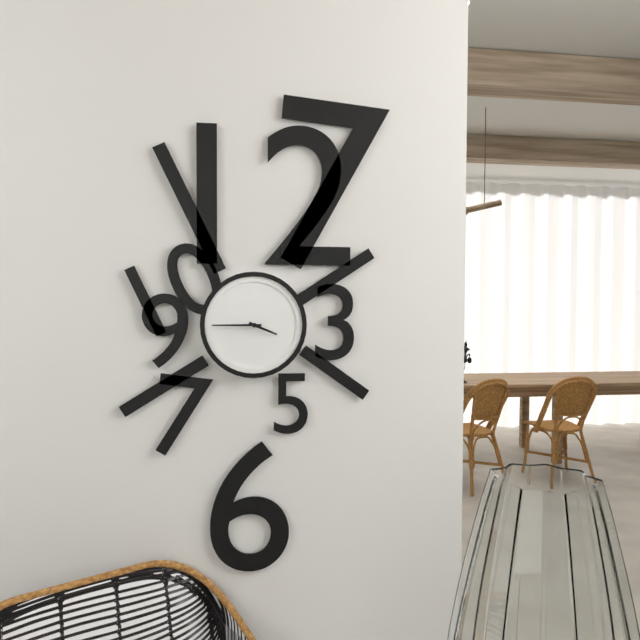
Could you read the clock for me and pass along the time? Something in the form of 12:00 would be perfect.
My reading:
3:45
